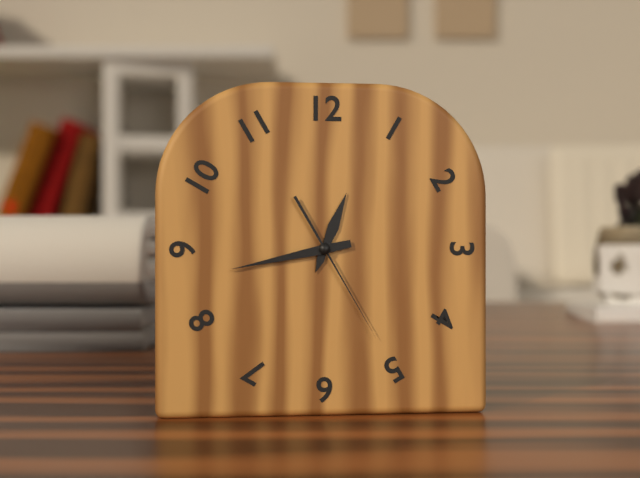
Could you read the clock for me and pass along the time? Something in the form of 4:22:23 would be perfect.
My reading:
12:43:25
